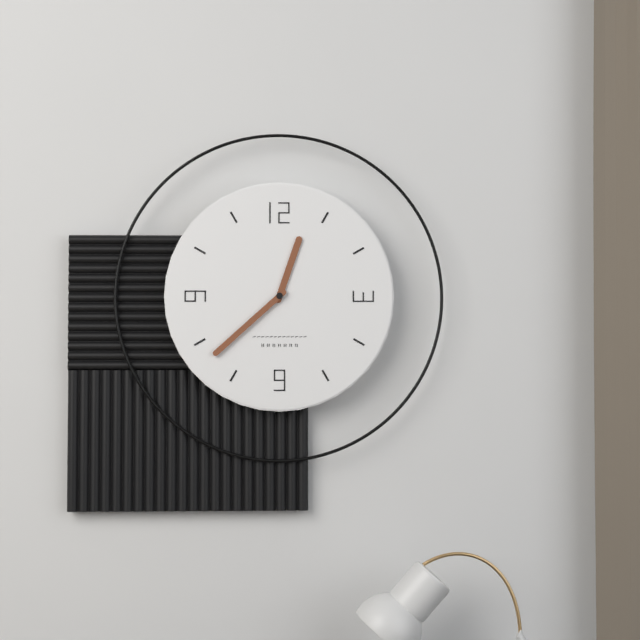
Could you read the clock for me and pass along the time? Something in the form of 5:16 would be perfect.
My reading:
12:38
